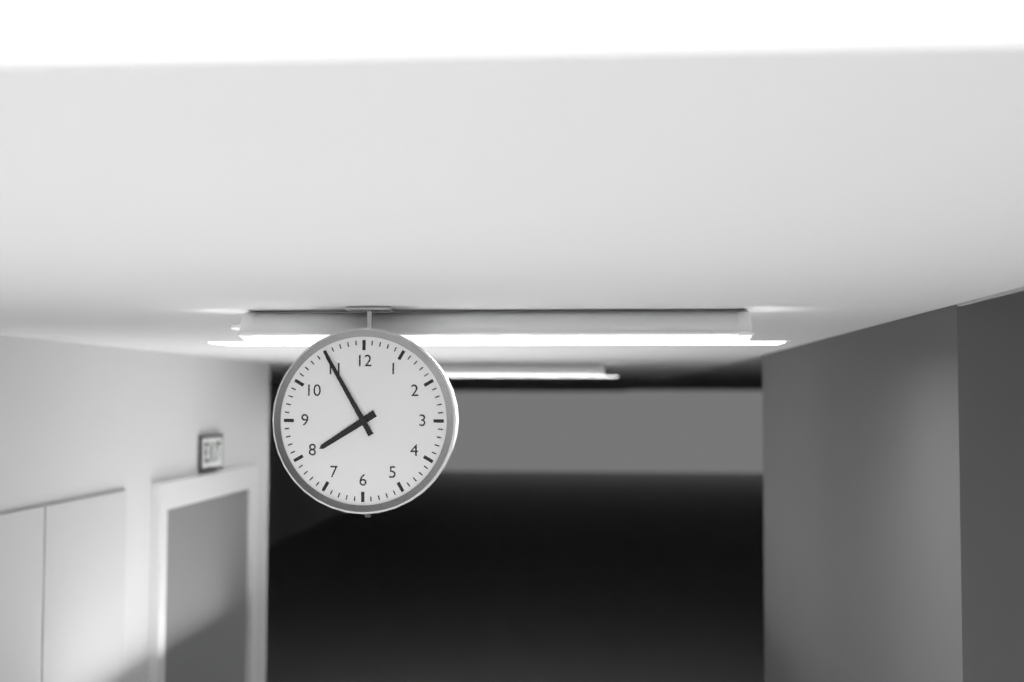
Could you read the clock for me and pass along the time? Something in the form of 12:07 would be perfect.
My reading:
7:55
